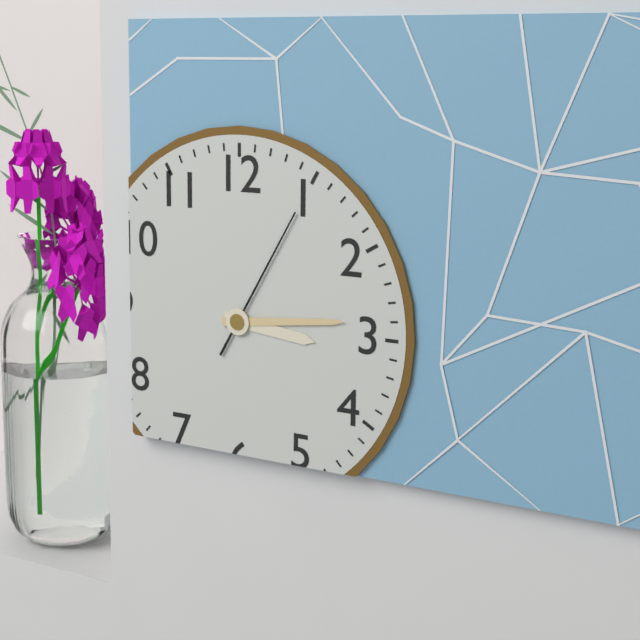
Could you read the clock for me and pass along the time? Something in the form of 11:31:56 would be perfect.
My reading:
3:14:05
